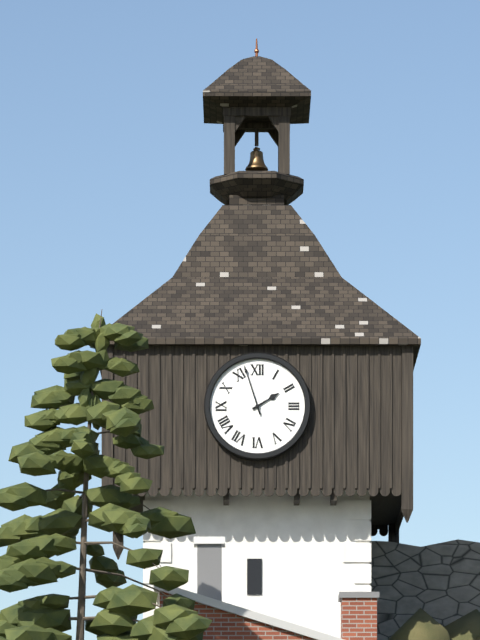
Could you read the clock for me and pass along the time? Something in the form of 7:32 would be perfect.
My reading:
1:57
